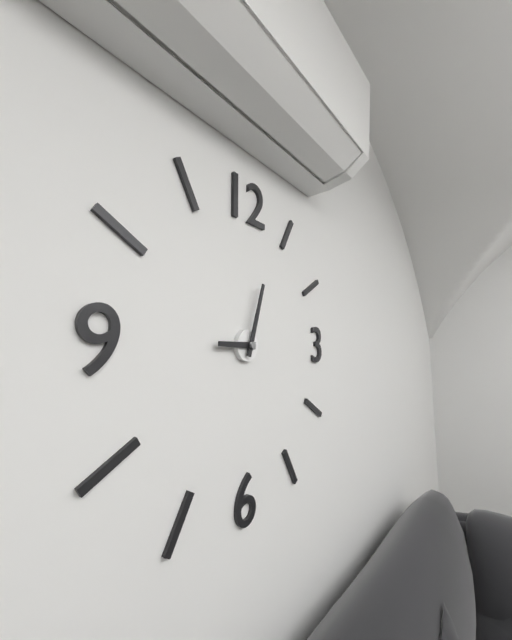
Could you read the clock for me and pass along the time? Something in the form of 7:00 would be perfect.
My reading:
9:03
